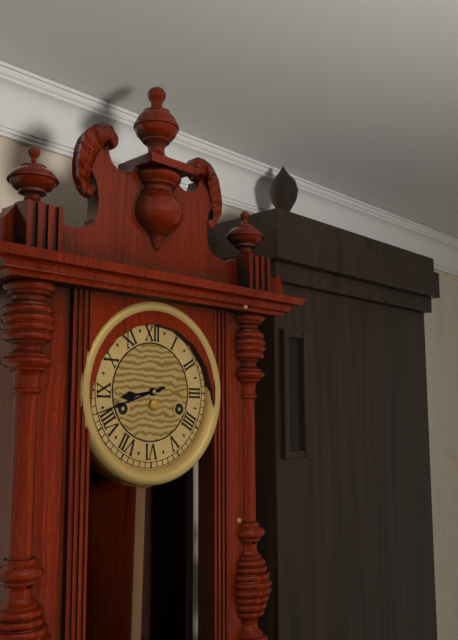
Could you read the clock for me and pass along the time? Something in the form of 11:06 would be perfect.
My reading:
8:42
